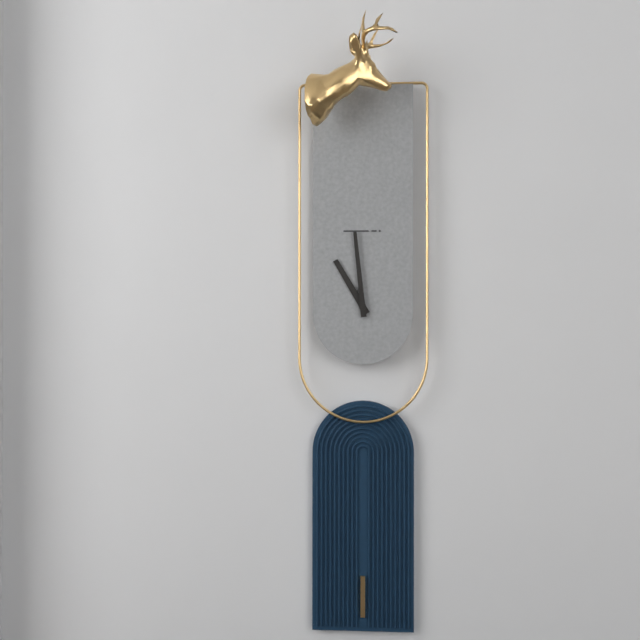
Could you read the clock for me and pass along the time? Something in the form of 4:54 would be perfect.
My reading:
10:59
